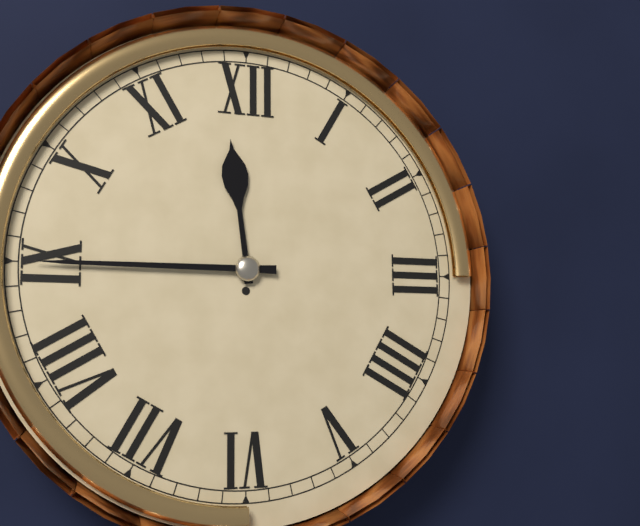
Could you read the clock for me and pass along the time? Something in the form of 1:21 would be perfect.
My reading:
11:45
